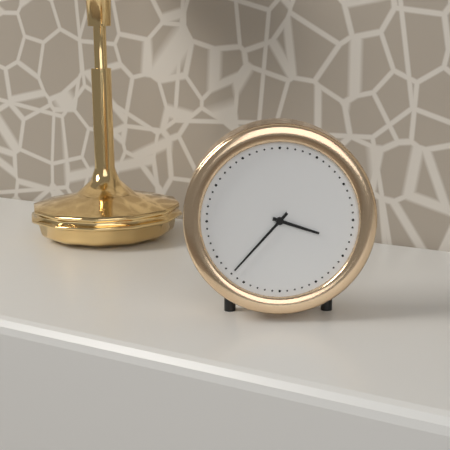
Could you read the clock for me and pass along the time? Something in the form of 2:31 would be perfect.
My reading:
3:37
